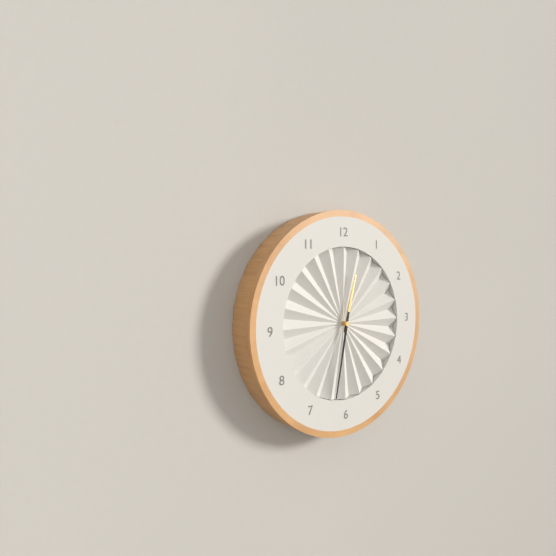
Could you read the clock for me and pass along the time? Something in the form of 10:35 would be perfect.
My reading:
12:32
